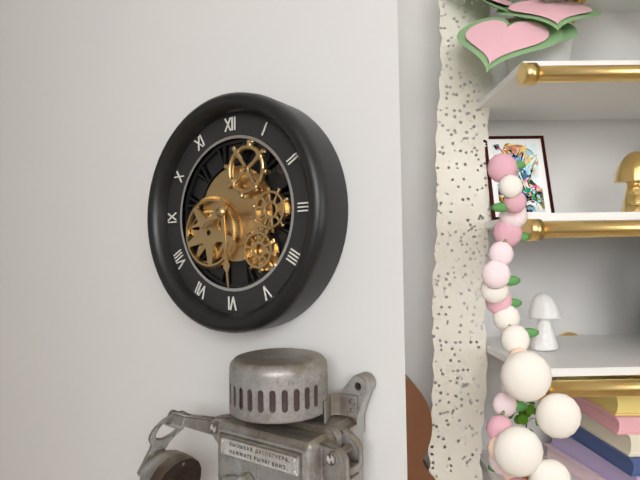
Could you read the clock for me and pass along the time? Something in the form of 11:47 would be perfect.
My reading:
8:29
